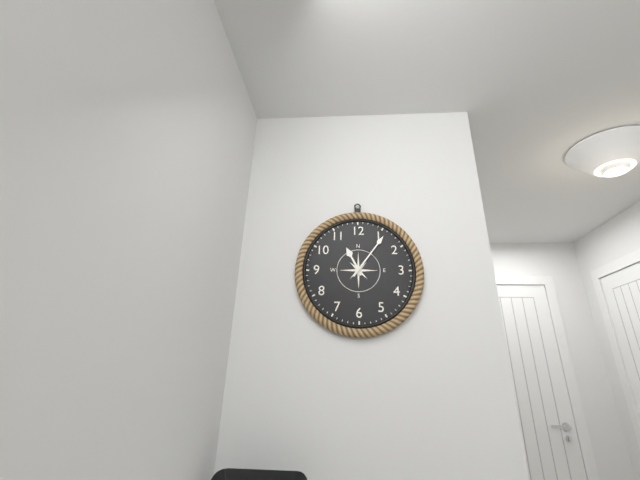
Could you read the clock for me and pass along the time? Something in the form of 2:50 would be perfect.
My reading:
11:06
